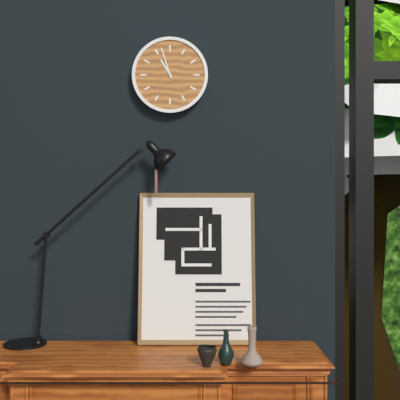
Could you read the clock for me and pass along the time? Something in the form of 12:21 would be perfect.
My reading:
10:57
